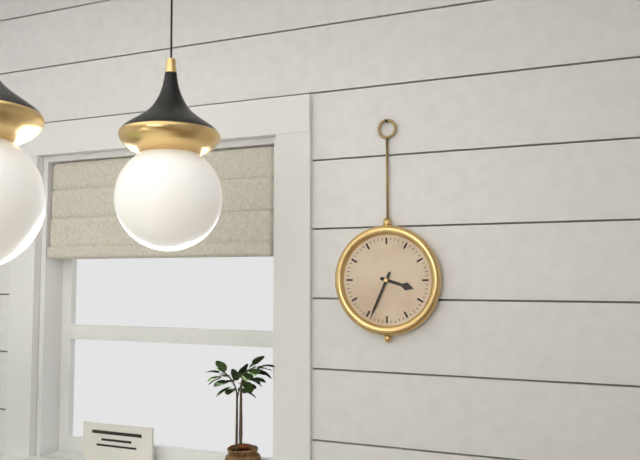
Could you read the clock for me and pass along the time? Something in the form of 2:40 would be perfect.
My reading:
3:34
